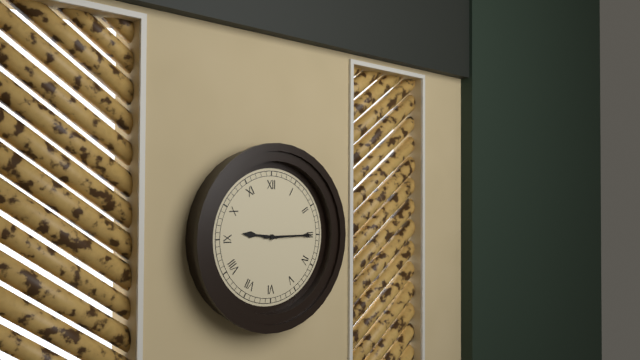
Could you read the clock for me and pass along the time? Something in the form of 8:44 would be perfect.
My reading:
9:15
